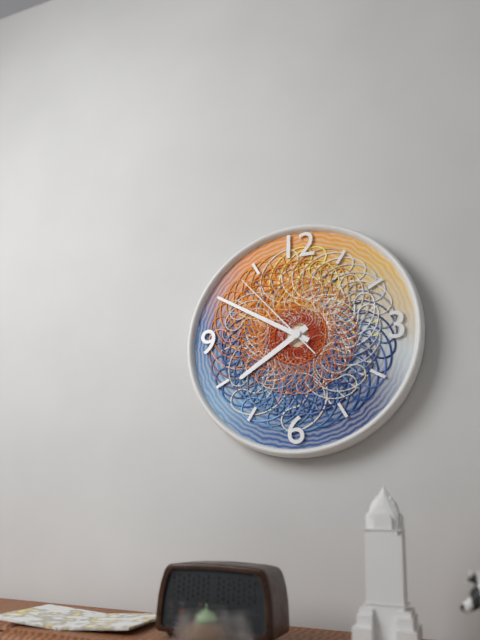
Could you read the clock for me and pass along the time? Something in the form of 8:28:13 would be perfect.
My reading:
7:50:53
